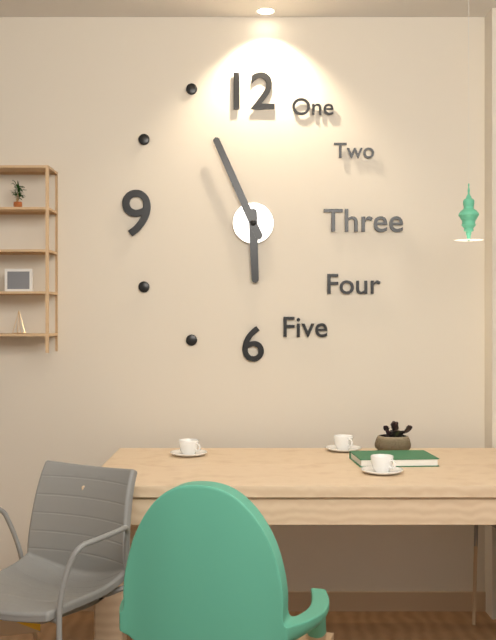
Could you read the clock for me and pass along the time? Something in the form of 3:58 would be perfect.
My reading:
5:56
